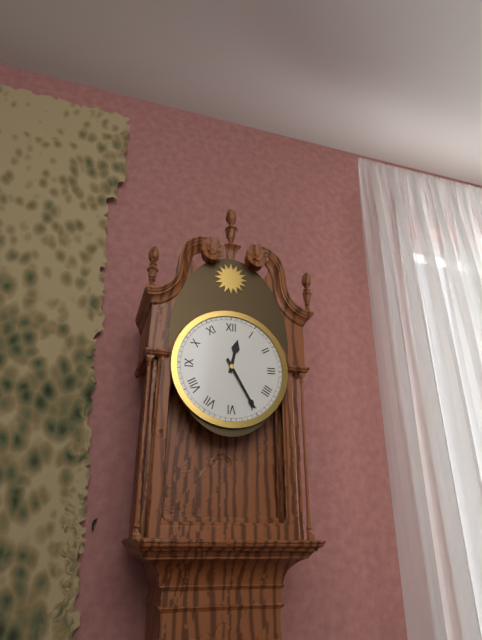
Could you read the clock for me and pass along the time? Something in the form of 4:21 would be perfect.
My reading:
12:25
